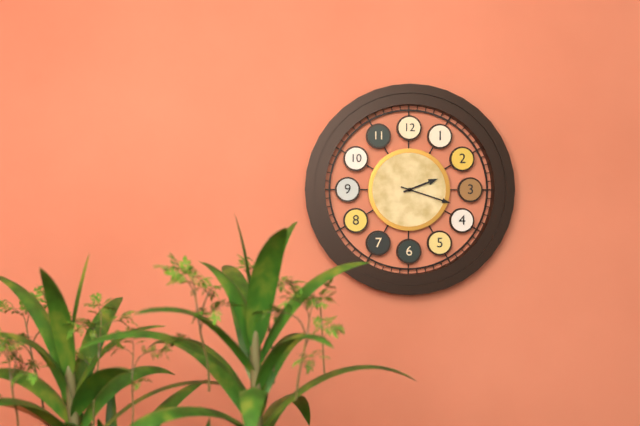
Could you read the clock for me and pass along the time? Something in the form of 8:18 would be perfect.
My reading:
2:18
